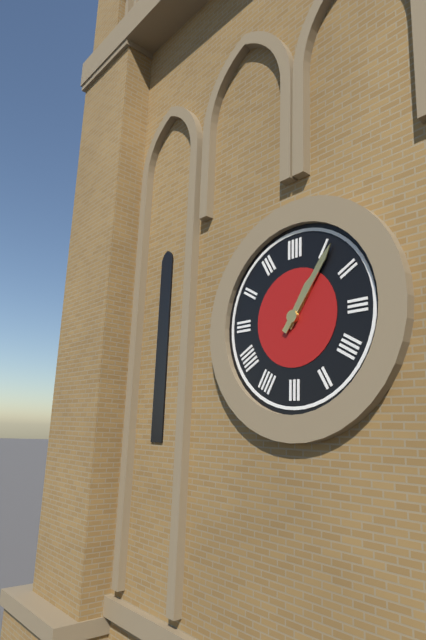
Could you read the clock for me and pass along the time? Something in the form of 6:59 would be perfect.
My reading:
1:06
